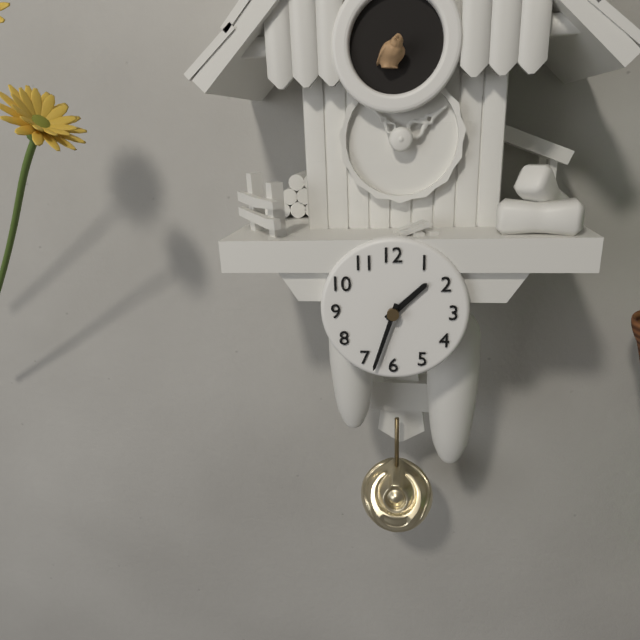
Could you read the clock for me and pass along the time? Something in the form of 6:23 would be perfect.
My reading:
1:33
